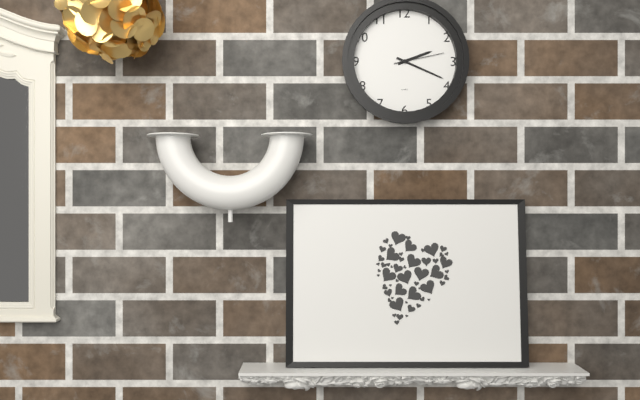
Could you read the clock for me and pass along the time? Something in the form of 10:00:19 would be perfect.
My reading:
2:19:13
